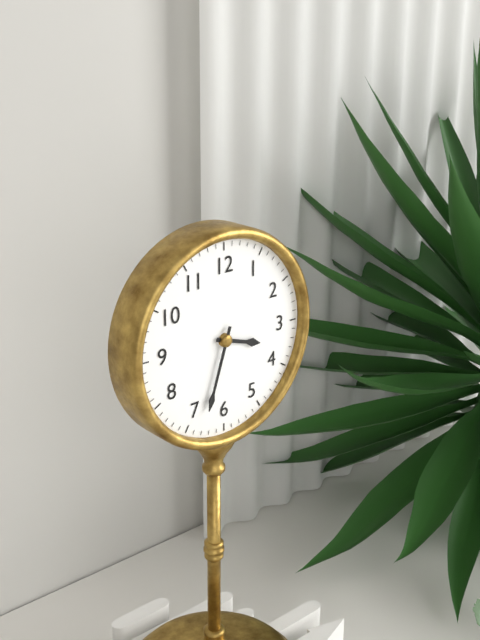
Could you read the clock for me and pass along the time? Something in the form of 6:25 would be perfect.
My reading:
3:33
